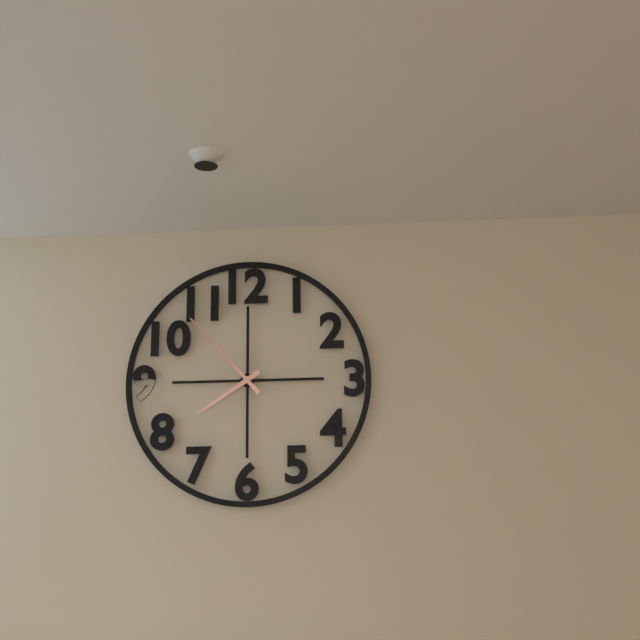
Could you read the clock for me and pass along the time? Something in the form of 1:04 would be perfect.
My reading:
7:53
